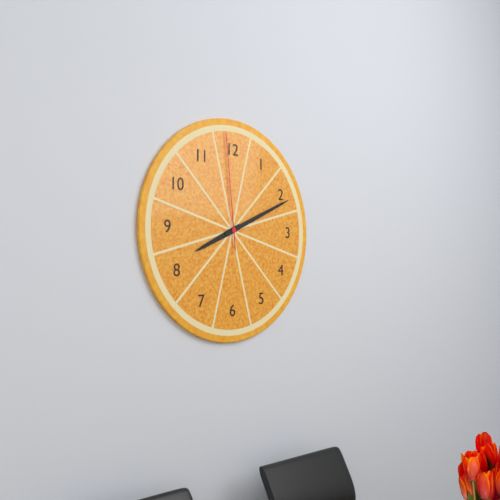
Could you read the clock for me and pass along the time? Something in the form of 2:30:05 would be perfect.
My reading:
8:11:59
